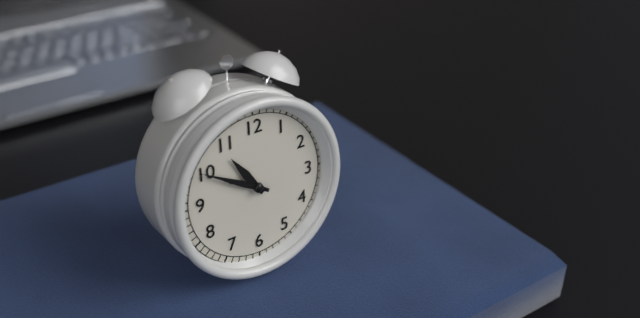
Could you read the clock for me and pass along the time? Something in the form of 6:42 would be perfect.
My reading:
10:50
